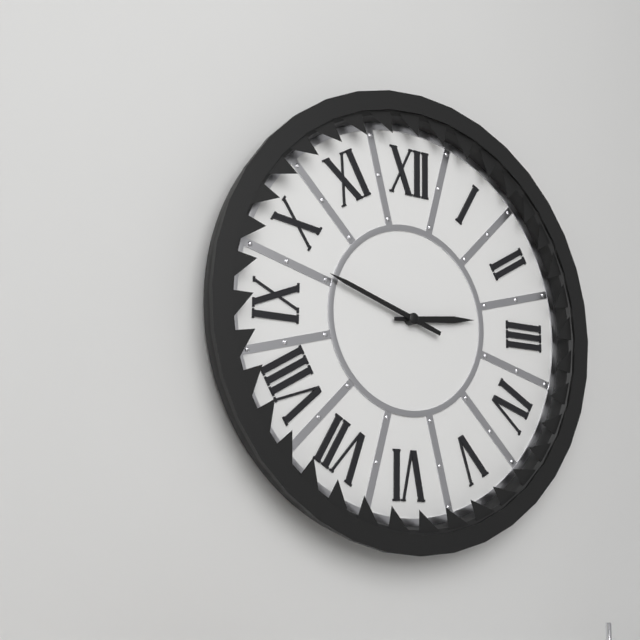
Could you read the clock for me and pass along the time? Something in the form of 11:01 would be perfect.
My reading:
2:48
